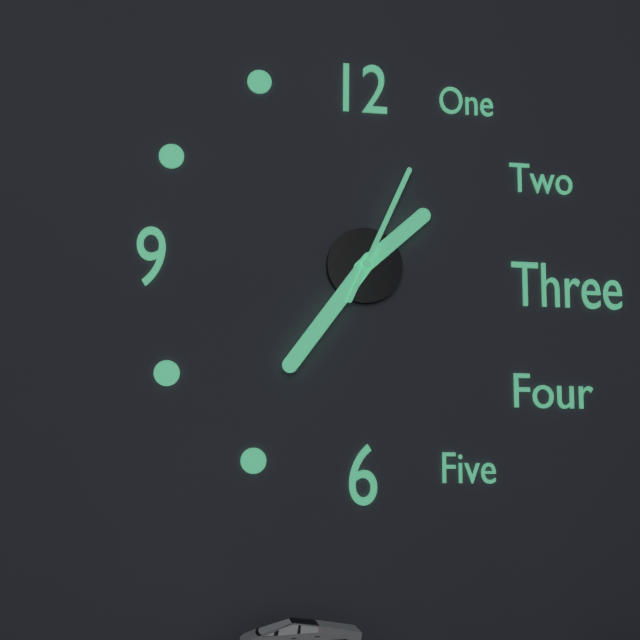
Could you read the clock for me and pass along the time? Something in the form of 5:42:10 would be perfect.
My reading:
1:36:04
